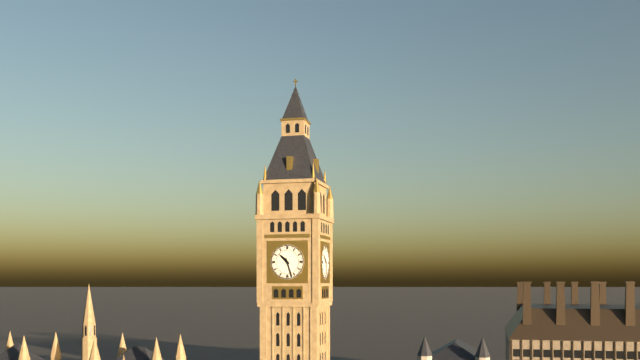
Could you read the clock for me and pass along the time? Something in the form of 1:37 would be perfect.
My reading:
10:27
